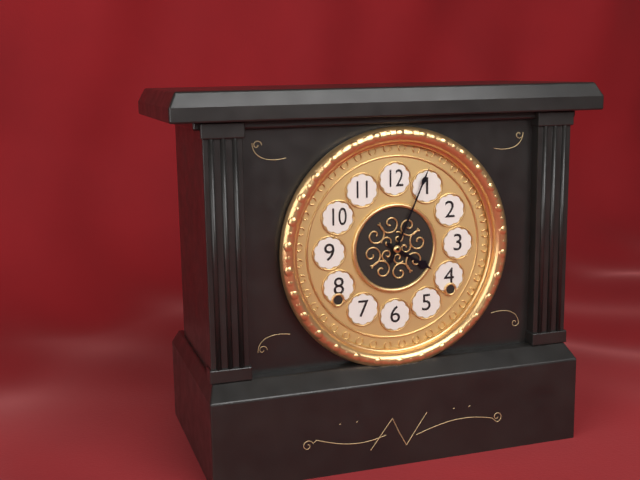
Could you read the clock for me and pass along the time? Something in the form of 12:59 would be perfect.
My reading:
4:04
